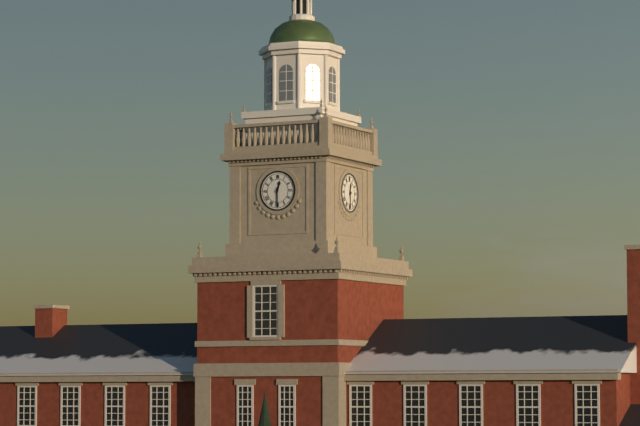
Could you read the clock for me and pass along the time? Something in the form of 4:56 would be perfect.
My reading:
12:30
